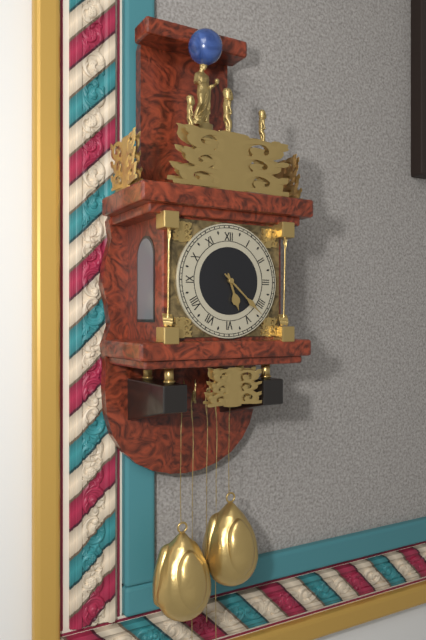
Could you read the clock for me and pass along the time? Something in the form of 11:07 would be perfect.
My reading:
5:22
